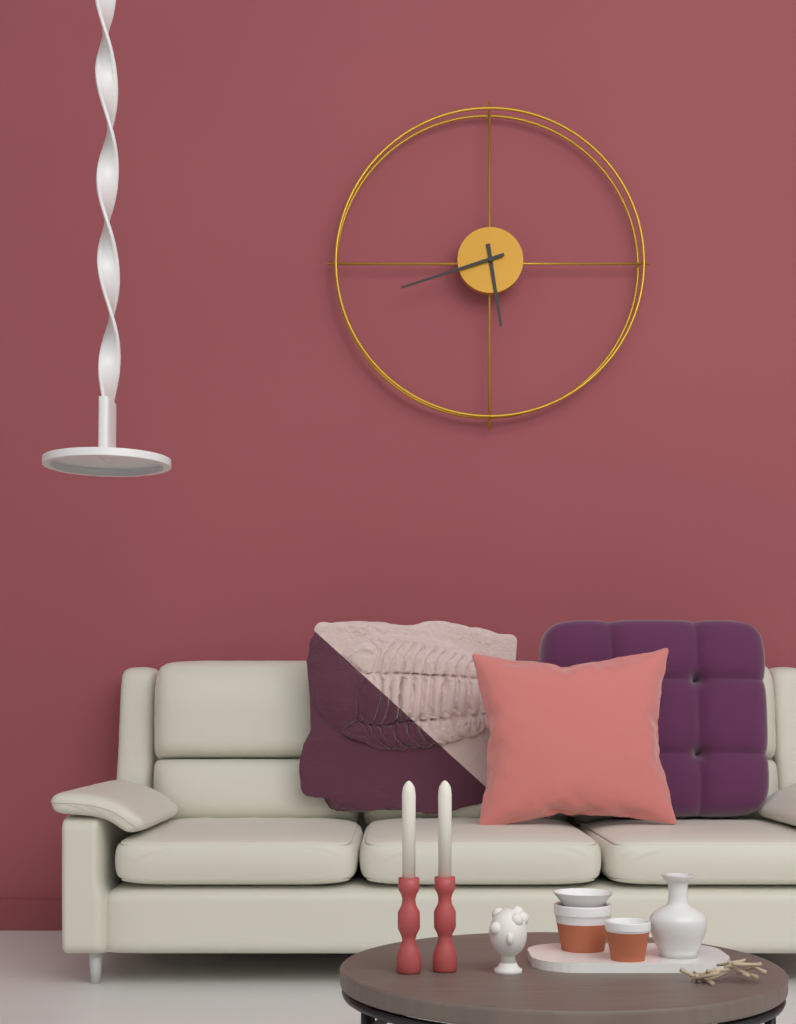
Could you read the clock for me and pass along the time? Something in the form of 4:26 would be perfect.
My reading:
5:42
